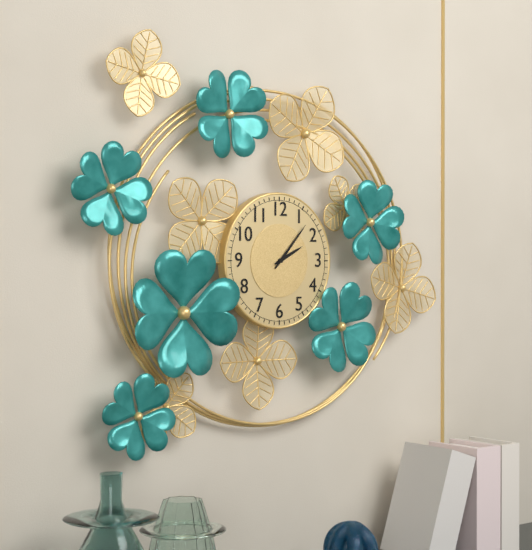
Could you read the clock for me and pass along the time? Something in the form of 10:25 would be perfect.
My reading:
2:07
